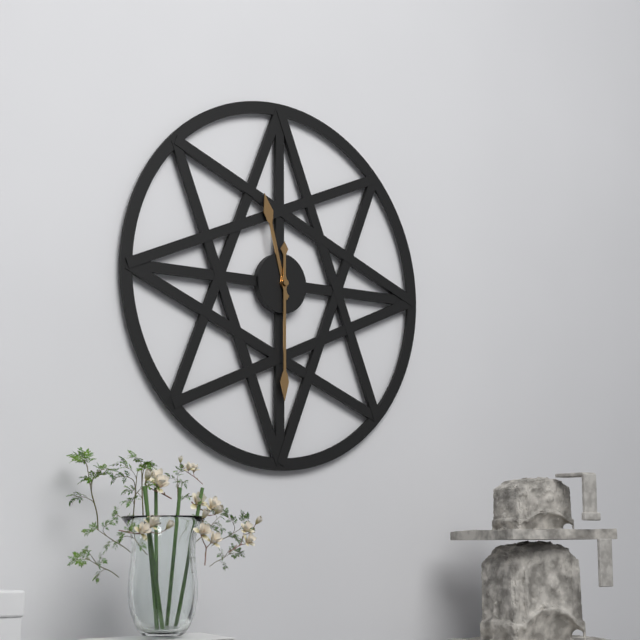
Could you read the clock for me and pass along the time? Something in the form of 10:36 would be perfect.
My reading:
11:30
